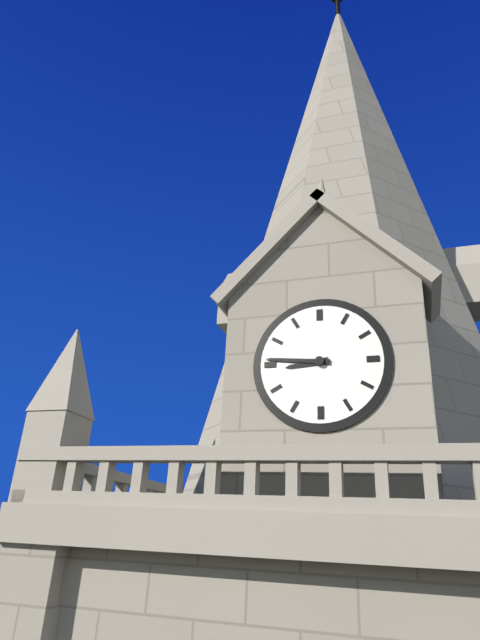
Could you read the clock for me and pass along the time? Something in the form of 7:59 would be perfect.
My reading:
8:46
